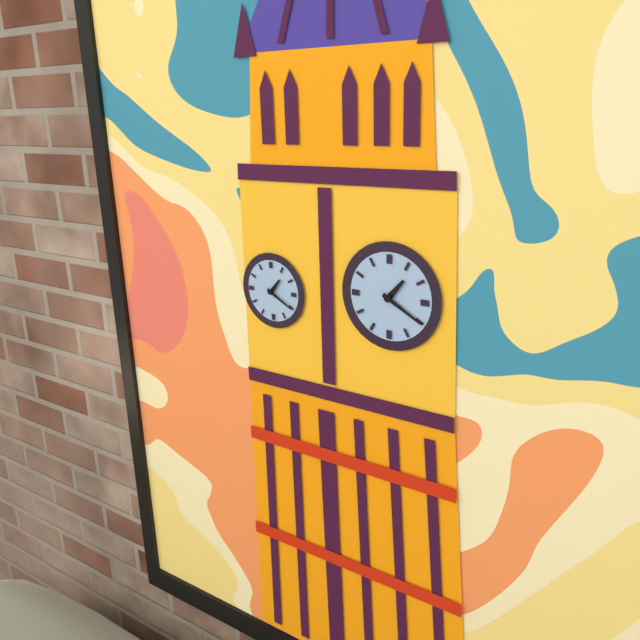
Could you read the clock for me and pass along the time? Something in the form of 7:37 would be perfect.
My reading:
1:20
